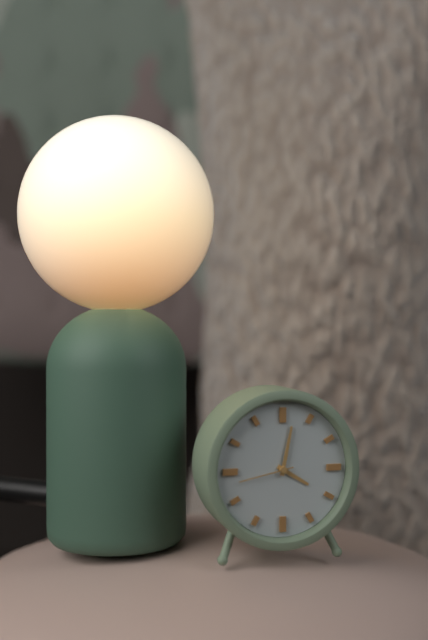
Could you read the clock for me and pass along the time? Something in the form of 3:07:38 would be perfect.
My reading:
4:02:43
